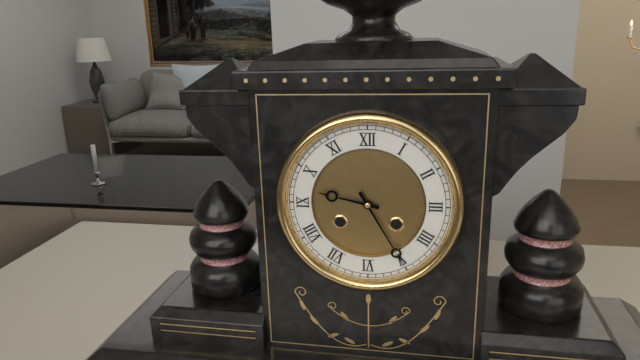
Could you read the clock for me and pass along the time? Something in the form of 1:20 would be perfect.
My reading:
9:25
